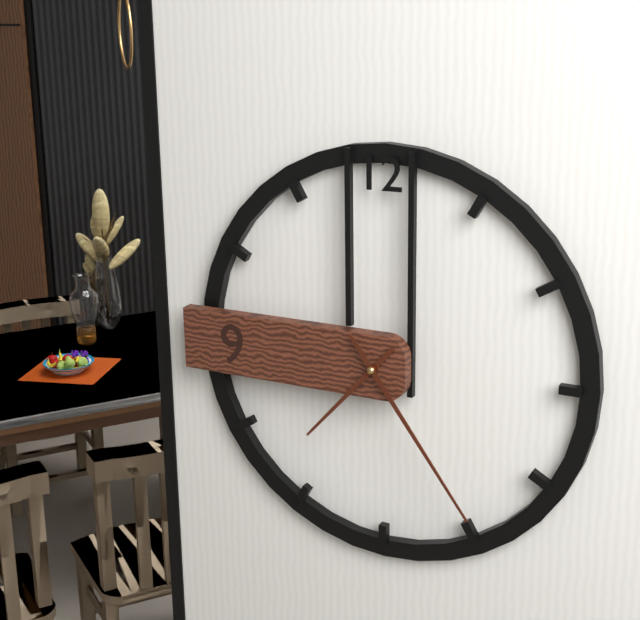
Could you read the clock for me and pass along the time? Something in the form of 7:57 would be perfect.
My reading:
7:24
